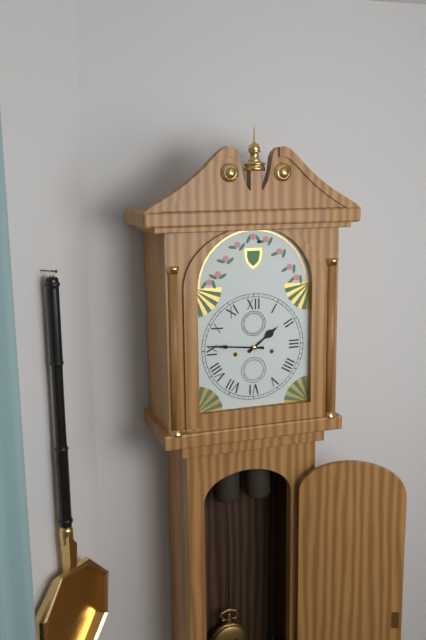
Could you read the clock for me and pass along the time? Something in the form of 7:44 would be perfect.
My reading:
1:46
